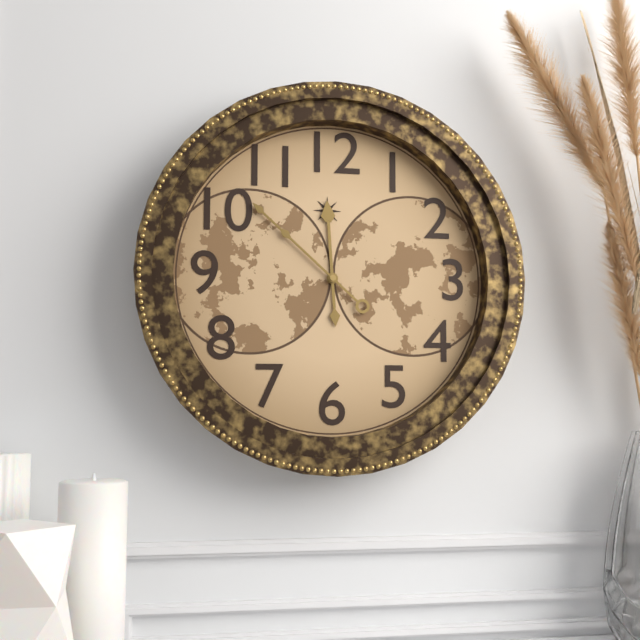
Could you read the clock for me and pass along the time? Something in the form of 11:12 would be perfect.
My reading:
11:52
